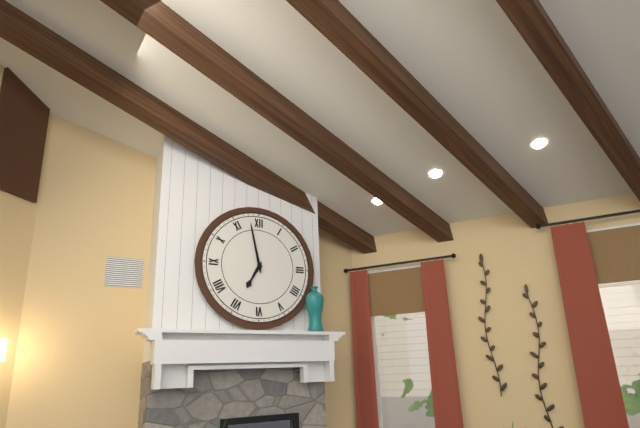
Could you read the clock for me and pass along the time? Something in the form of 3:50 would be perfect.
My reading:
6:58
